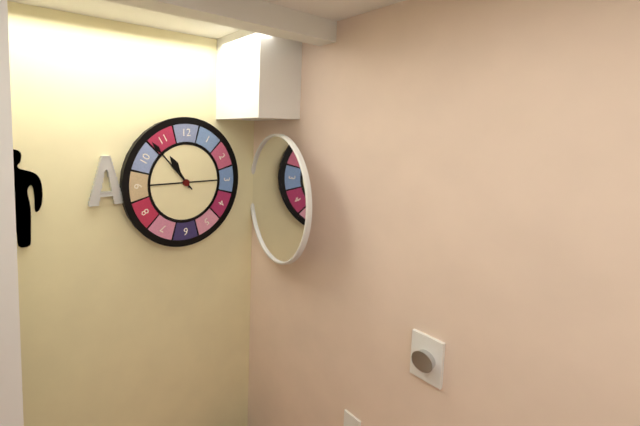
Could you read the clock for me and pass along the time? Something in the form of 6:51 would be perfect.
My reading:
10:53
